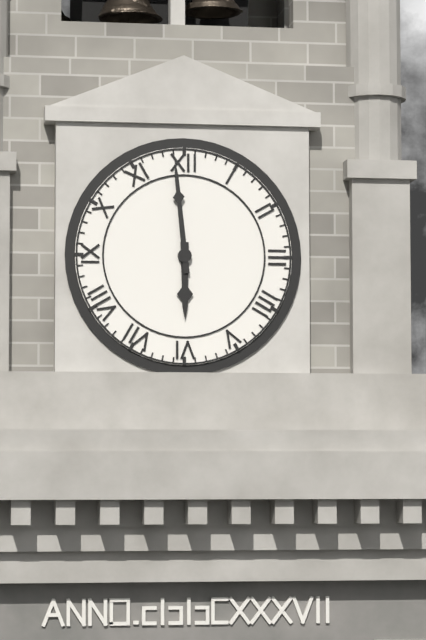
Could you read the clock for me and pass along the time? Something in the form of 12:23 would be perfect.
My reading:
5:59
